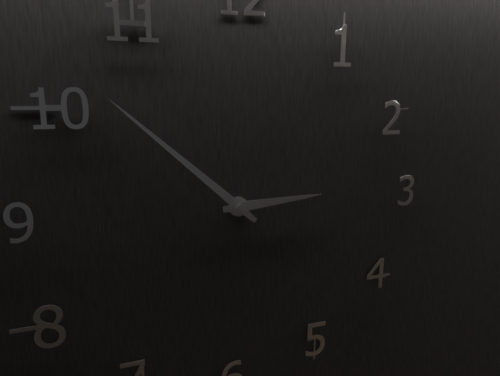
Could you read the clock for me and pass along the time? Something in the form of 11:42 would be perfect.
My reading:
2:52
